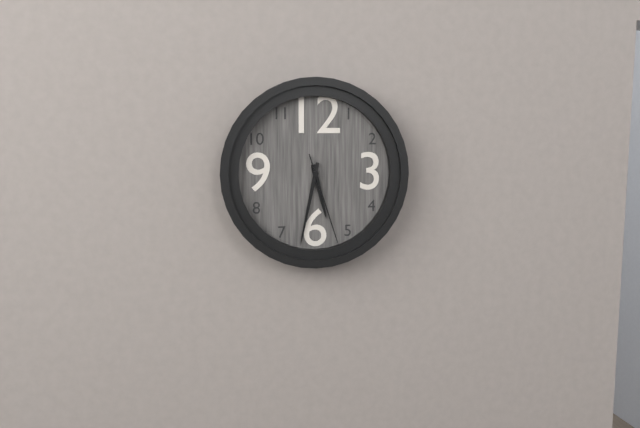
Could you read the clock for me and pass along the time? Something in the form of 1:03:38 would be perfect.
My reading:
5:32:27
